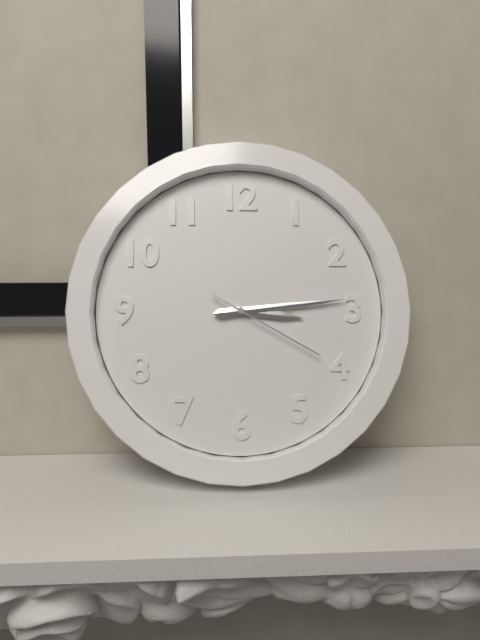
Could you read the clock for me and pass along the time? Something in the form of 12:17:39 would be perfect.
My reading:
3:14:20
